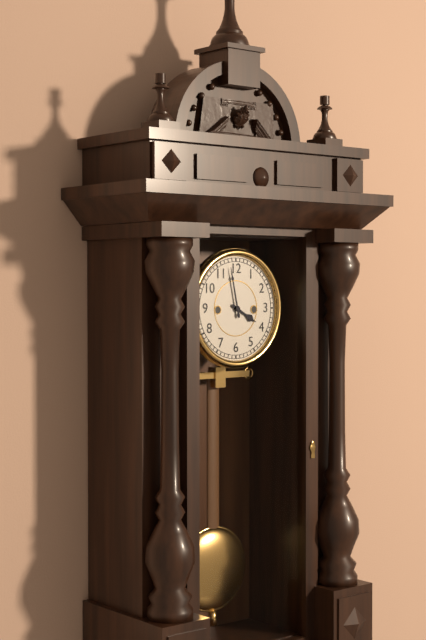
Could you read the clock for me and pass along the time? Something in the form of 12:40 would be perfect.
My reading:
3:58
